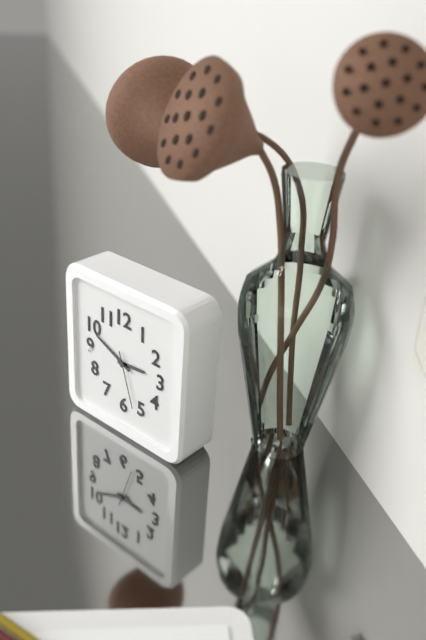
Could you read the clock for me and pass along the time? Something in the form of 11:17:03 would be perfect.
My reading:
2:49:27
